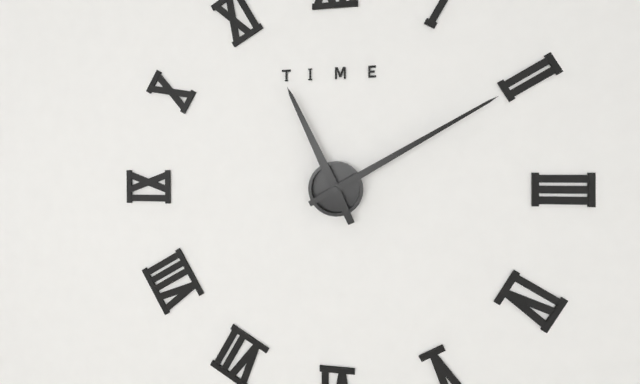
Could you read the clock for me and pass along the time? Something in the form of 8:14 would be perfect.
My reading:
11:10
